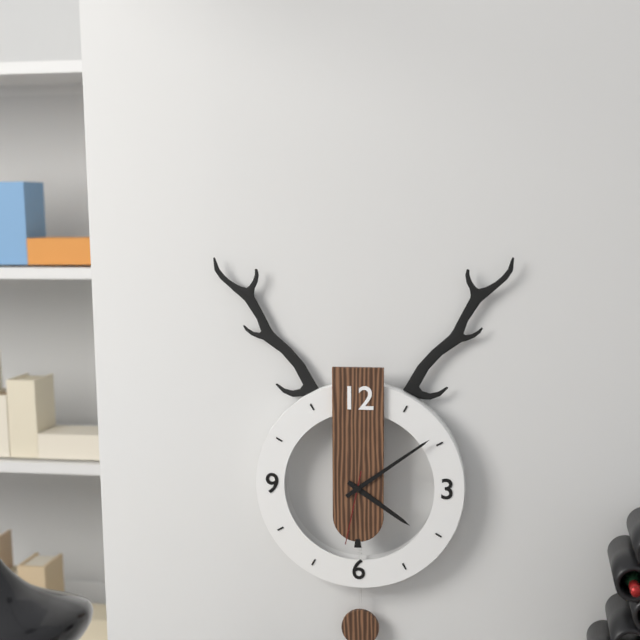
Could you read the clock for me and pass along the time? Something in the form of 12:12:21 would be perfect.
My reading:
4:09:32
